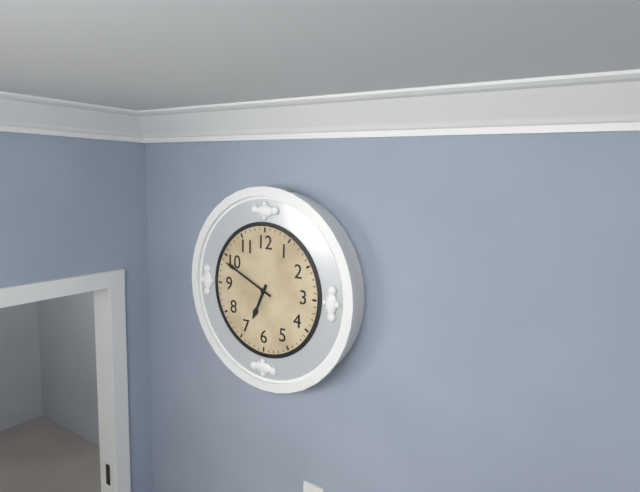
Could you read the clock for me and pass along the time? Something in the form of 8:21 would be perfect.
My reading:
6:49
